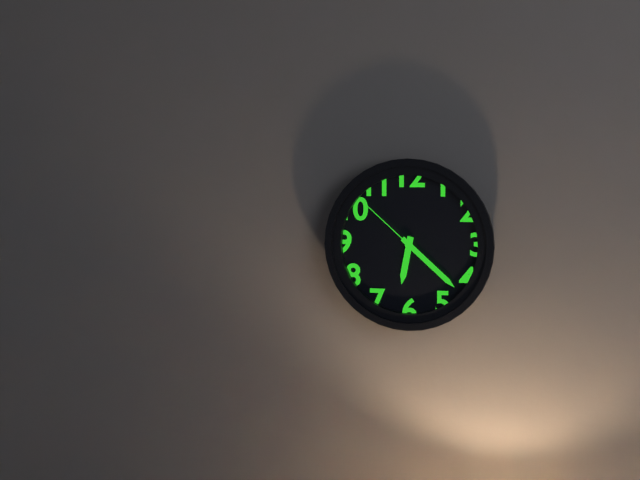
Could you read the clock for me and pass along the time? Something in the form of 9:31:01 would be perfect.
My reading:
6:22:52
